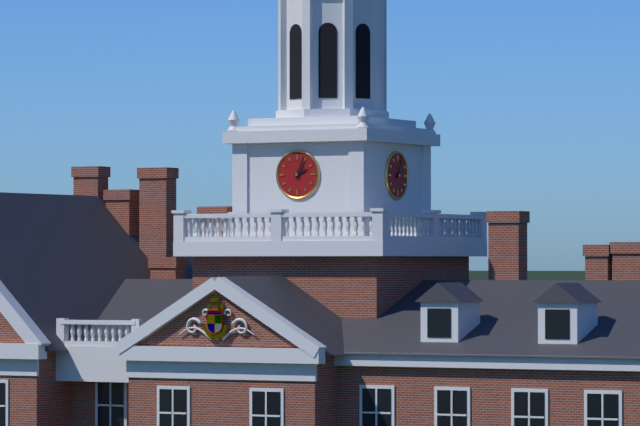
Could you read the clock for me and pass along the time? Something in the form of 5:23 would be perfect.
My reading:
2:04
